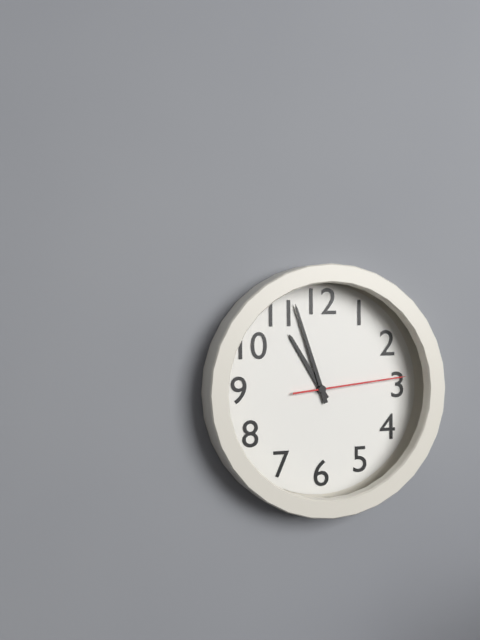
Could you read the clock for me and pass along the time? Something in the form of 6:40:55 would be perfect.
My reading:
10:57:14
